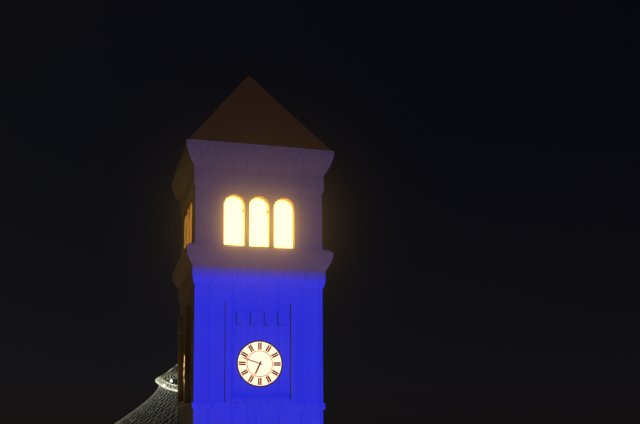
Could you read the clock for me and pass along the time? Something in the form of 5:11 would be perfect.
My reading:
6:48
